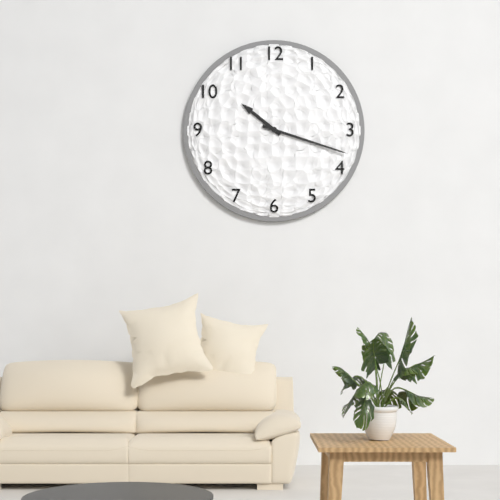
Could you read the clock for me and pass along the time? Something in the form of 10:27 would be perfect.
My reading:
10:18
